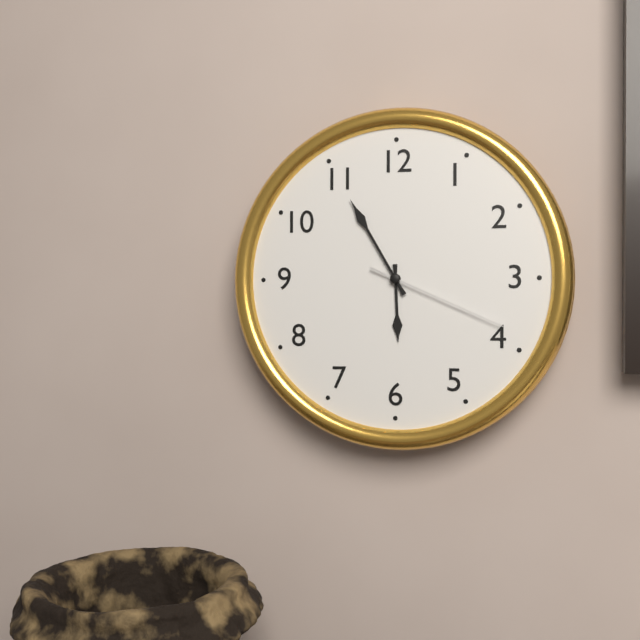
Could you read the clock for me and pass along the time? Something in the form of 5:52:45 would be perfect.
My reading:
5:55:19
